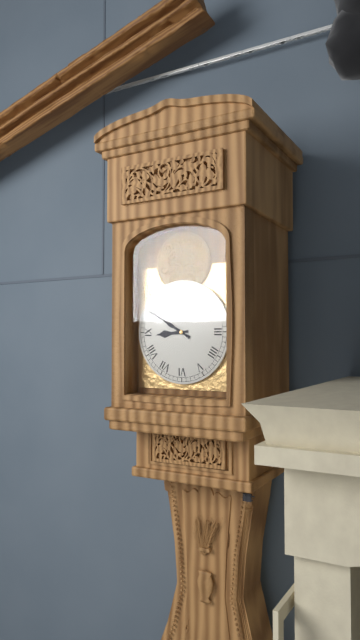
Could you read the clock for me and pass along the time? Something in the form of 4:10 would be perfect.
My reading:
8:50
